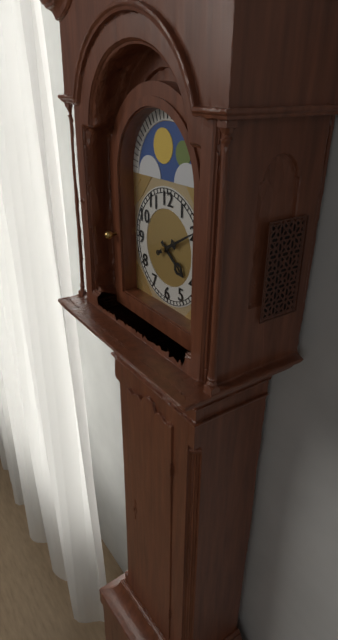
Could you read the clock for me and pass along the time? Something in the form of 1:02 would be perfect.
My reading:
4:10
